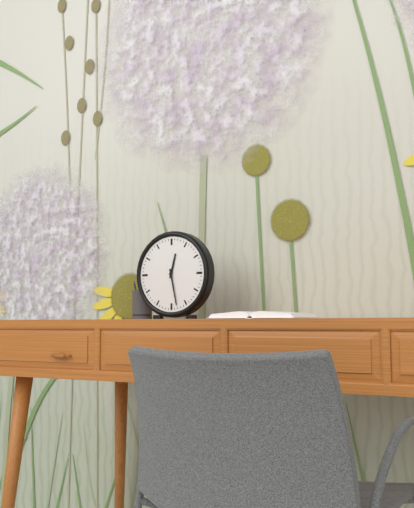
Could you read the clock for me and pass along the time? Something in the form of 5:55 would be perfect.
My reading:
12:28
